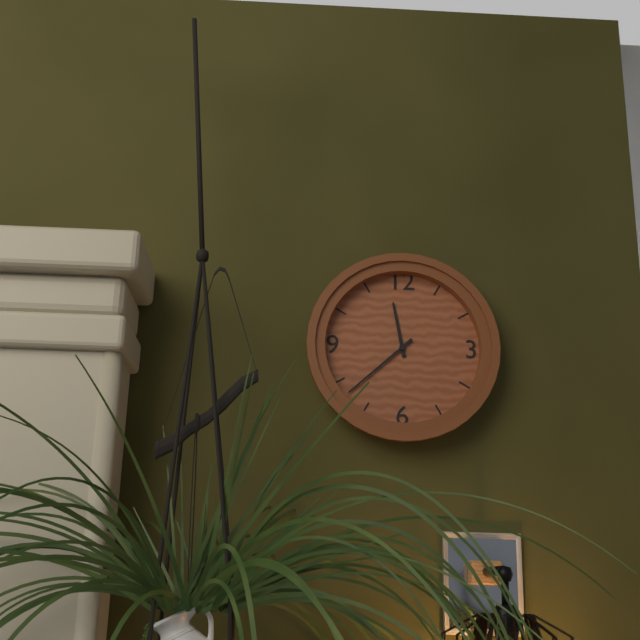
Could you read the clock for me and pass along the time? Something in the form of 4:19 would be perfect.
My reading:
11:38
